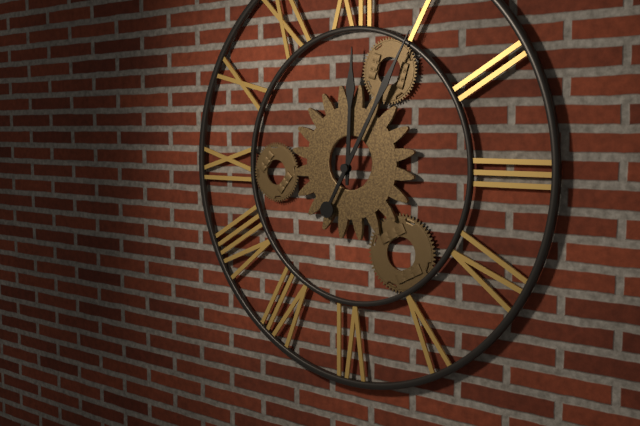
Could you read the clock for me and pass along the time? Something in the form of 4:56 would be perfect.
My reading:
12:05
